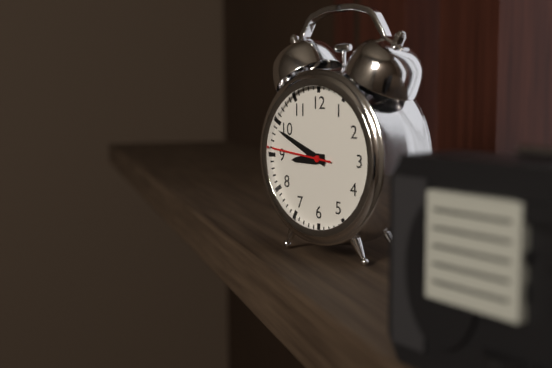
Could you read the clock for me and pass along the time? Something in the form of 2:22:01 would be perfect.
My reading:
8:49:46
